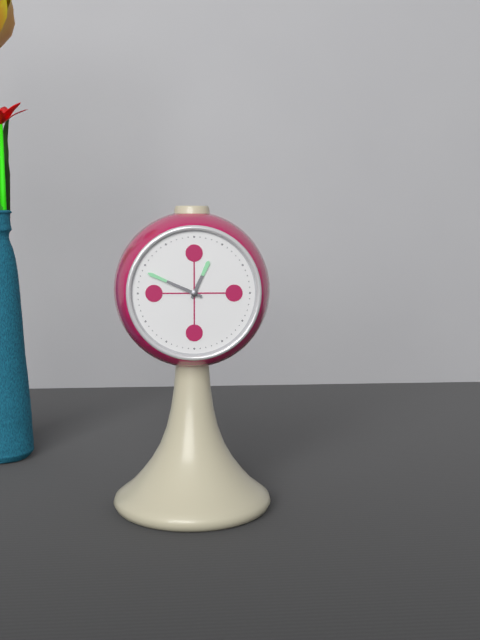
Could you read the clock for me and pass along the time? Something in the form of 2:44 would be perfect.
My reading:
12:49
